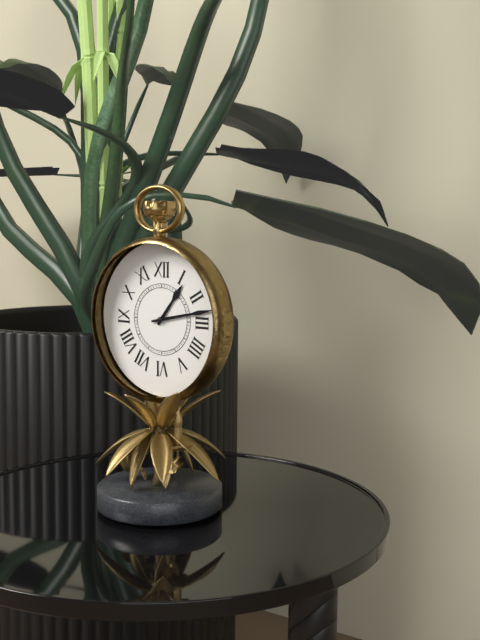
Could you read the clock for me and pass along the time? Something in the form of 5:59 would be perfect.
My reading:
1:13
